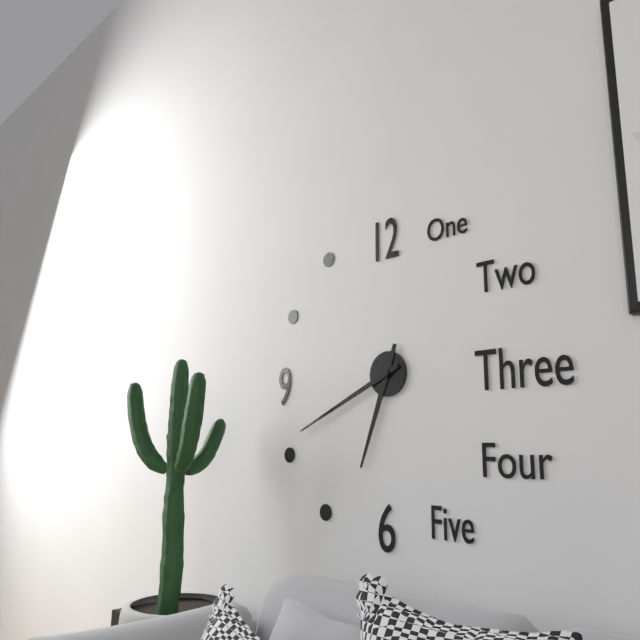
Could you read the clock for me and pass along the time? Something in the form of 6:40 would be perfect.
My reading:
6:41
